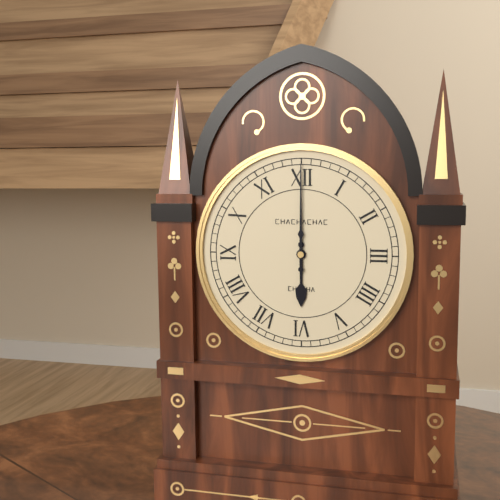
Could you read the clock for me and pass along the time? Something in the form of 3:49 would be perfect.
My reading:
6:00
